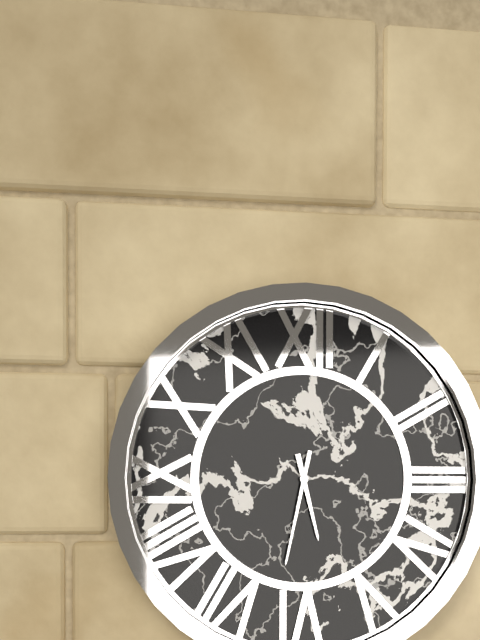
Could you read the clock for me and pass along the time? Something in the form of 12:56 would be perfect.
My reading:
5:32
